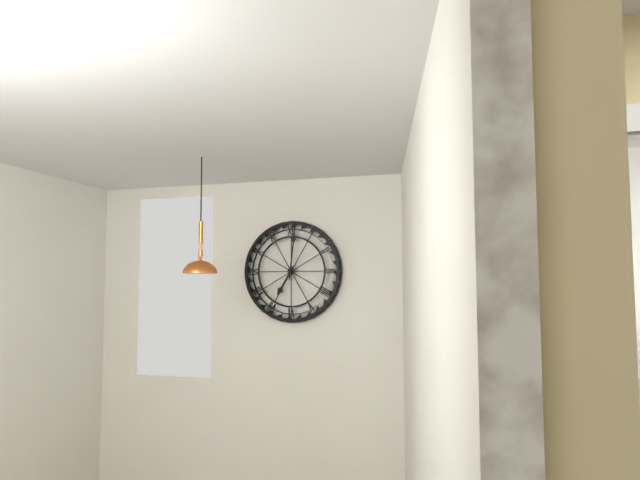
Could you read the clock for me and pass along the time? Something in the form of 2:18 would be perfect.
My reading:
7:01
